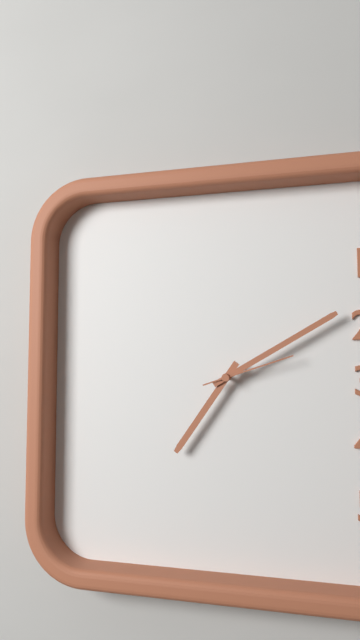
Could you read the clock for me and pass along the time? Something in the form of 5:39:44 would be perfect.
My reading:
7:10:12
